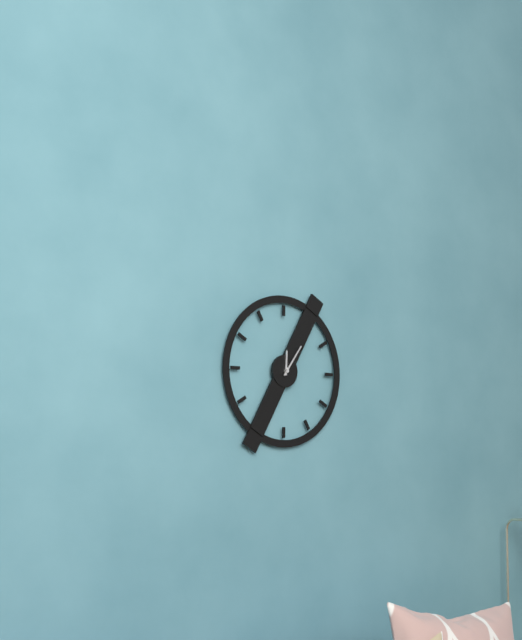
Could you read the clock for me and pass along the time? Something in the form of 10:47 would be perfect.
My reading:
12:06
